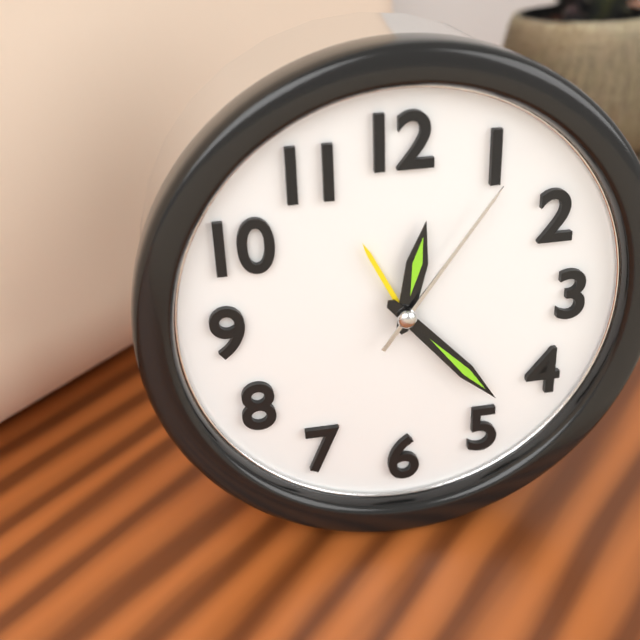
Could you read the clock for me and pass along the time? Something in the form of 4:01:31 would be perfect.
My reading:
12:23:06
